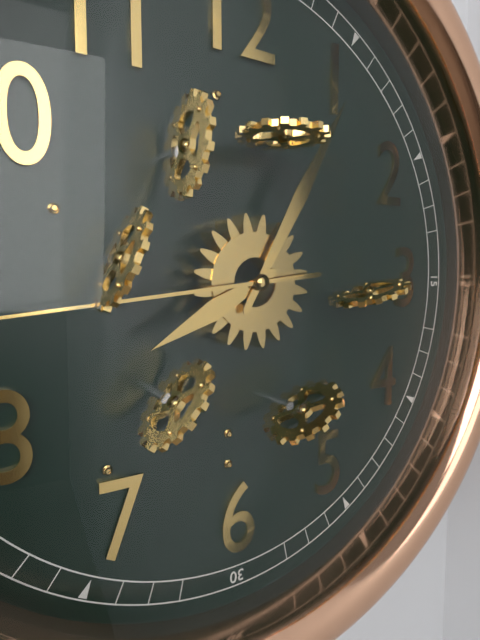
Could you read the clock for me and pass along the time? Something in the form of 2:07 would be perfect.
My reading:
8:05
